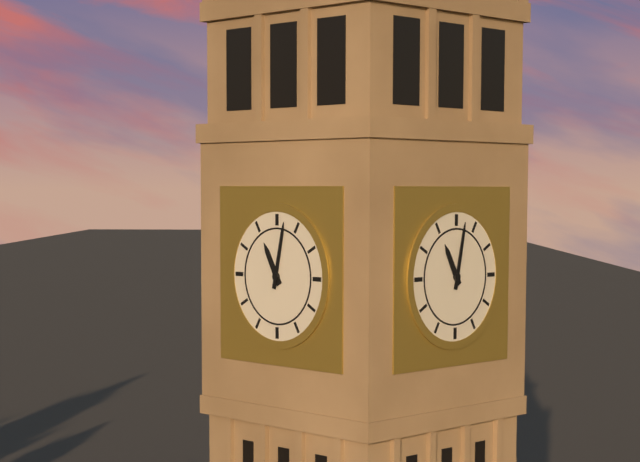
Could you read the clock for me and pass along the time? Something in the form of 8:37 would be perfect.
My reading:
11:02
